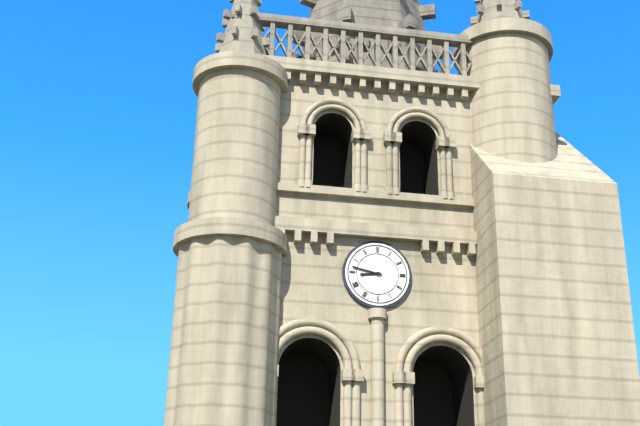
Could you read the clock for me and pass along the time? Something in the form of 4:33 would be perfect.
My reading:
8:47
